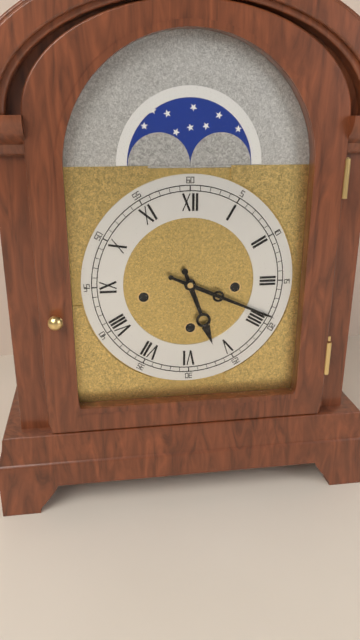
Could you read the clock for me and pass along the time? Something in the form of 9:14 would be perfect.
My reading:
5:19
